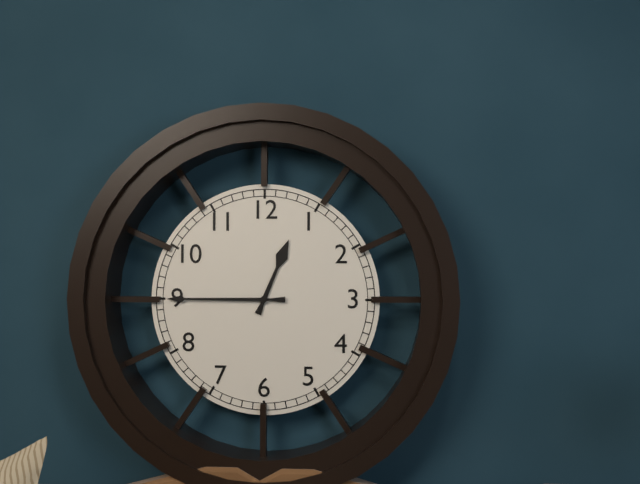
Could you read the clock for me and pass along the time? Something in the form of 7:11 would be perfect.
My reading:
12:45
